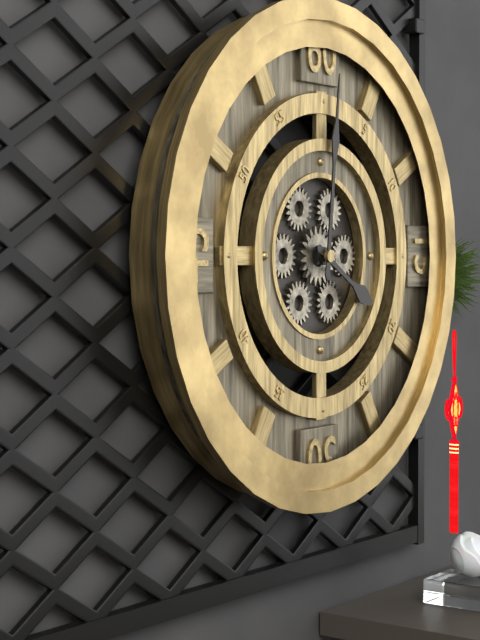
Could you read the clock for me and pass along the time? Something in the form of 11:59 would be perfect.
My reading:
4:01
